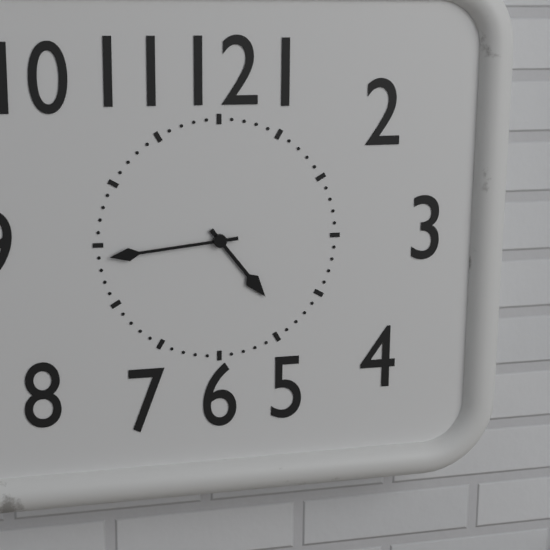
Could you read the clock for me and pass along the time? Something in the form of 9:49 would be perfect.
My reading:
4:44
